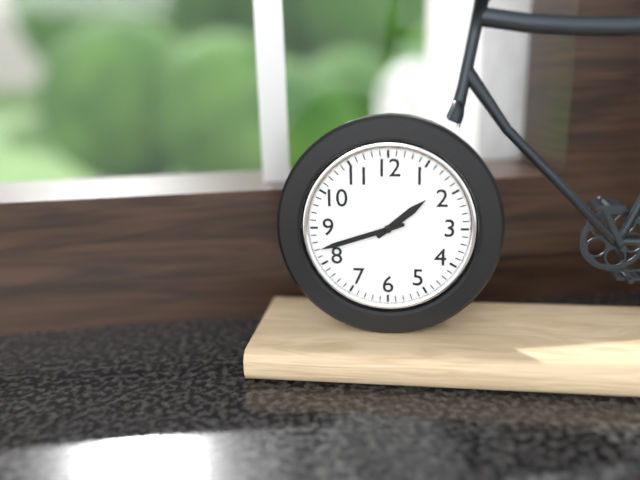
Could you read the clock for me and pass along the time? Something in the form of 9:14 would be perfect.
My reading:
1:42
